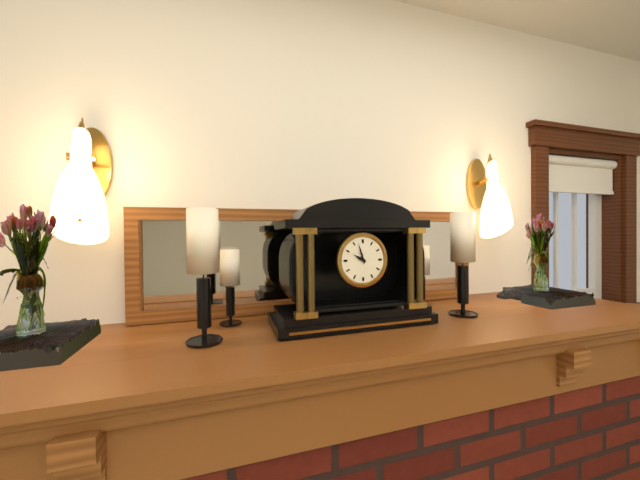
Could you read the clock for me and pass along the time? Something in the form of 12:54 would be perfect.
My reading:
9:57
